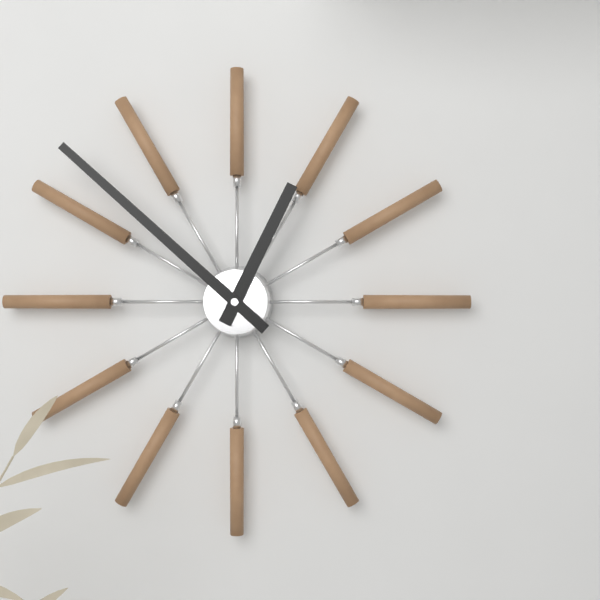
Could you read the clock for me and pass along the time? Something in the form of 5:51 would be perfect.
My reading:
12:52
